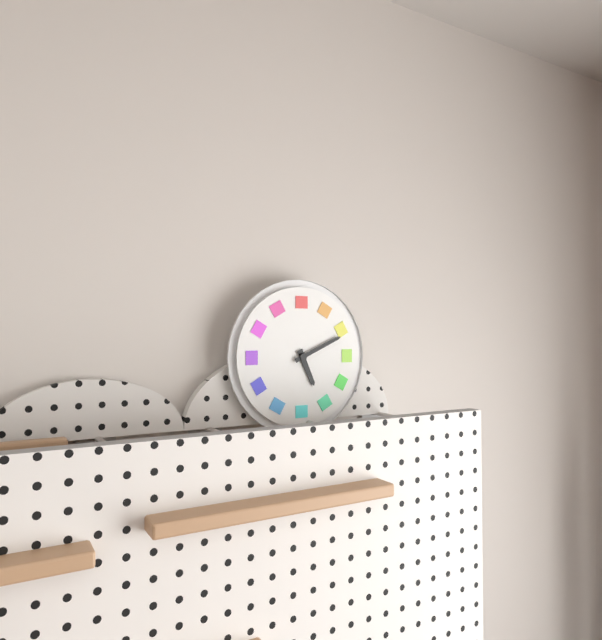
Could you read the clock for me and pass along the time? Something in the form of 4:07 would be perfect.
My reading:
5:11
